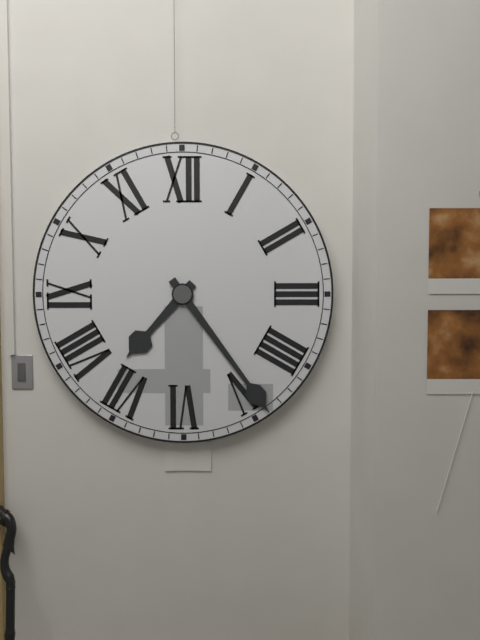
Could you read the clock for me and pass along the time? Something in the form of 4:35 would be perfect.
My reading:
7:24
